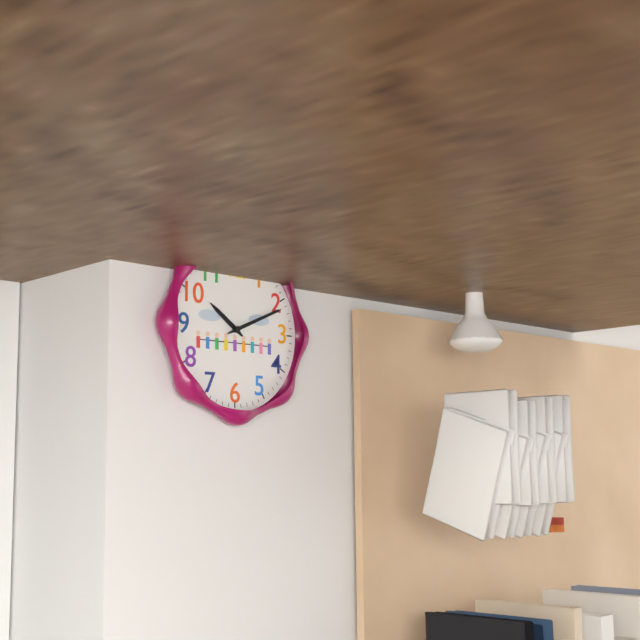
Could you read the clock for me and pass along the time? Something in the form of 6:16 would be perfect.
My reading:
10:11
